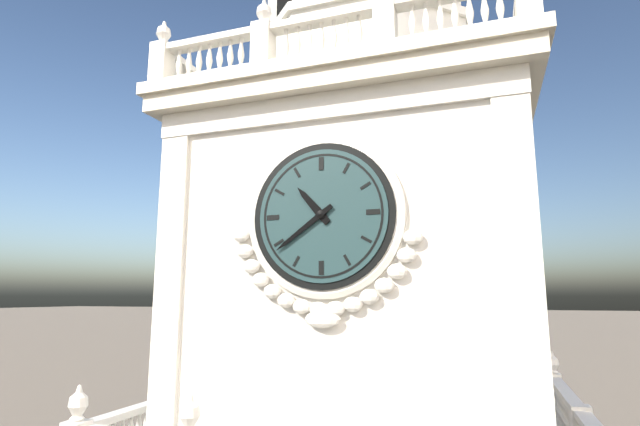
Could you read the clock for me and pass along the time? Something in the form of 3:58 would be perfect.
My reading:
10:39
